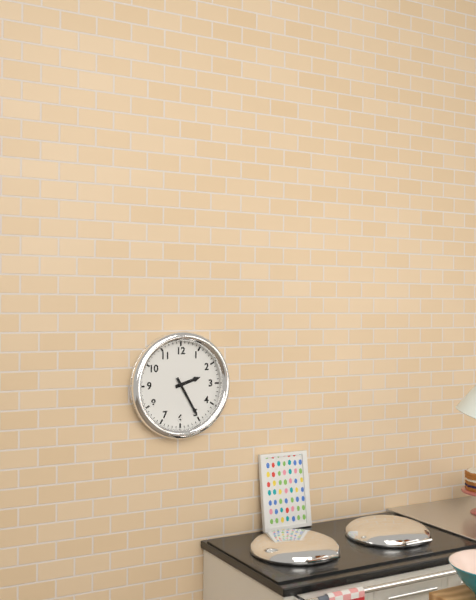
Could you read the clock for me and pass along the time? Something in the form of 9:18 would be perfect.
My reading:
2:25
